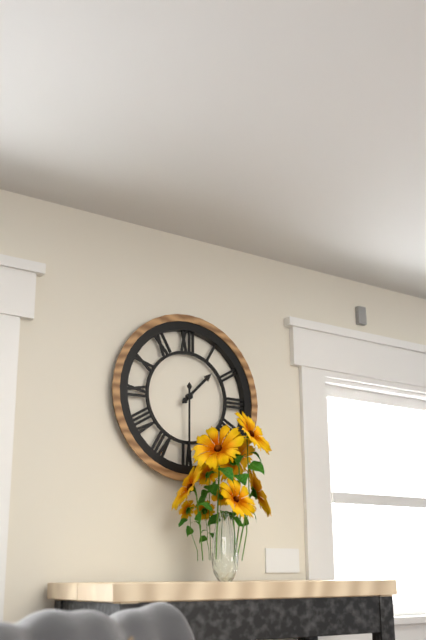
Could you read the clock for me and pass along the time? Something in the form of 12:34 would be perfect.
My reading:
1:30
